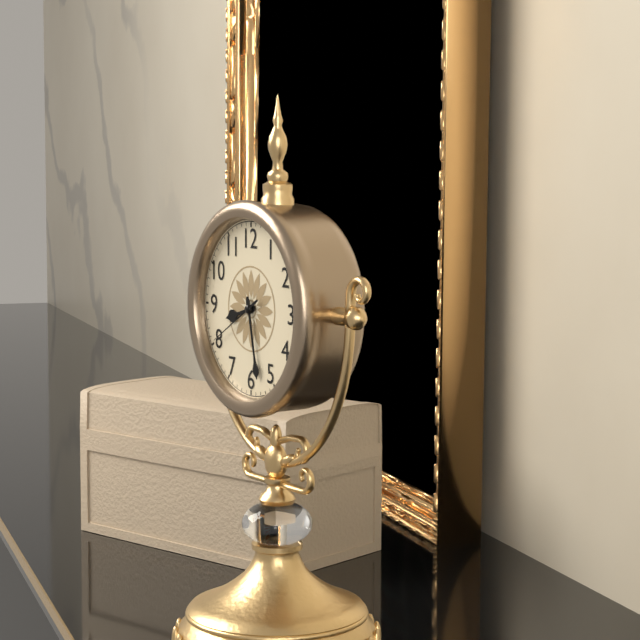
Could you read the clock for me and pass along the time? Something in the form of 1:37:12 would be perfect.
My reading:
8:28:40
